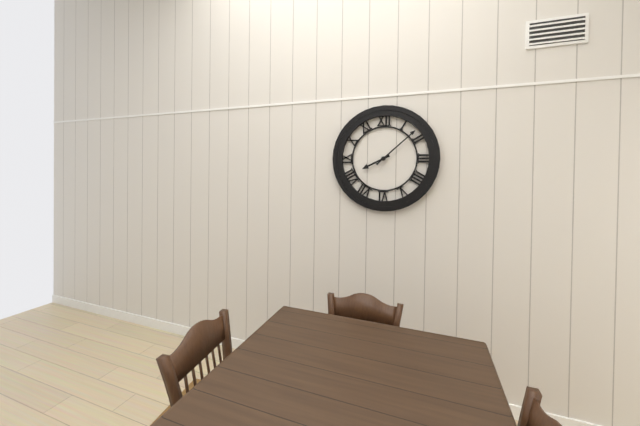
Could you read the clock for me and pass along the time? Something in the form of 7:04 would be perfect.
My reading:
8:08
